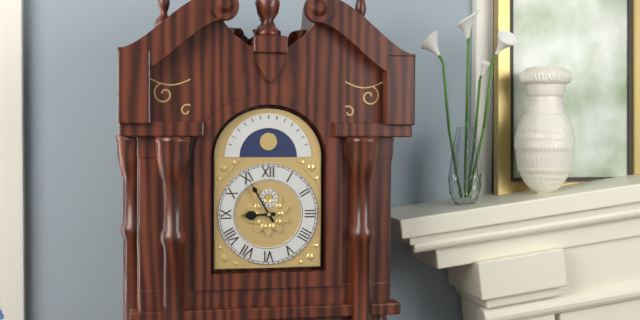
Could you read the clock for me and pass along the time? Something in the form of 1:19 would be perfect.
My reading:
8:55
